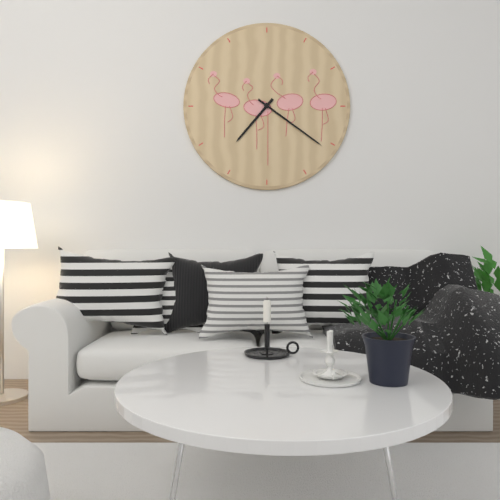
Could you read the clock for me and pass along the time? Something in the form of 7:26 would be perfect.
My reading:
7:21
